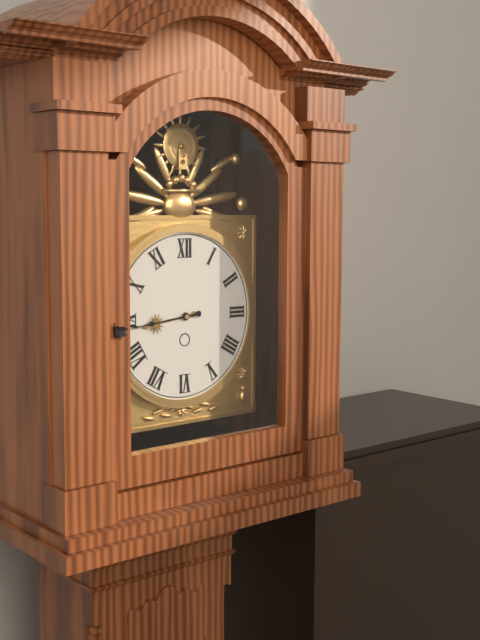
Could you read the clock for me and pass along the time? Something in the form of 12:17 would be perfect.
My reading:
8:44
